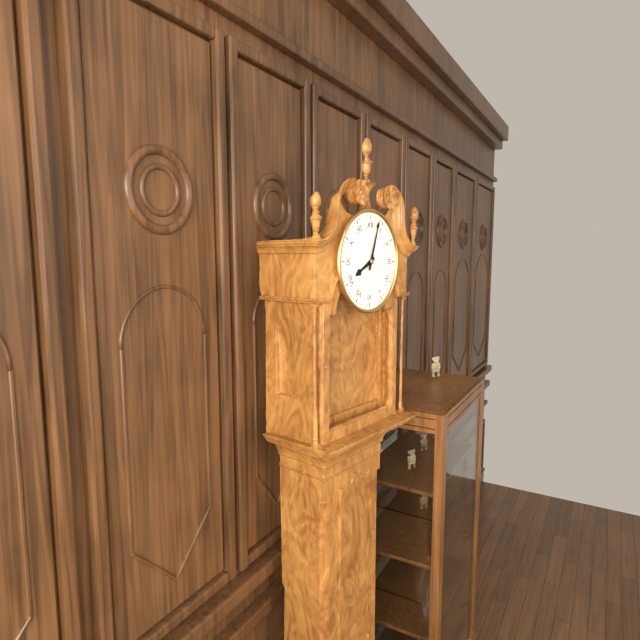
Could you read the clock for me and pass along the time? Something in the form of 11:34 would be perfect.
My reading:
8:03
